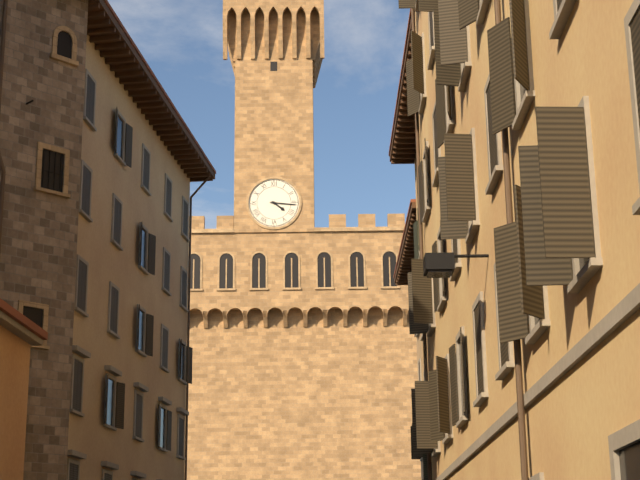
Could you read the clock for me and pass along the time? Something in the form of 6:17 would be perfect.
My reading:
4:16
